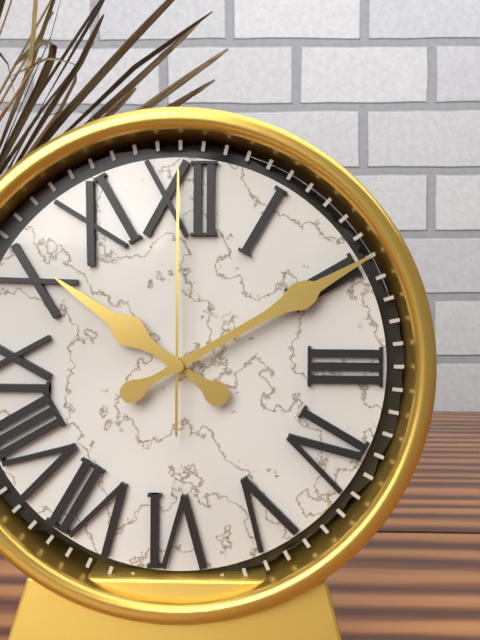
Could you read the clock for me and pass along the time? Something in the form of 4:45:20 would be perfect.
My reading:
10:10:00
